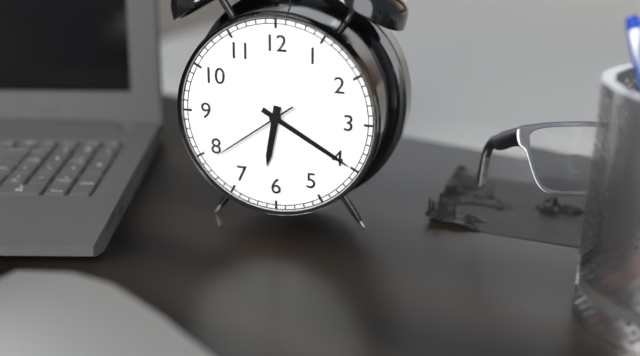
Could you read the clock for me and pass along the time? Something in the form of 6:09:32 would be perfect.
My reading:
6:20:39
